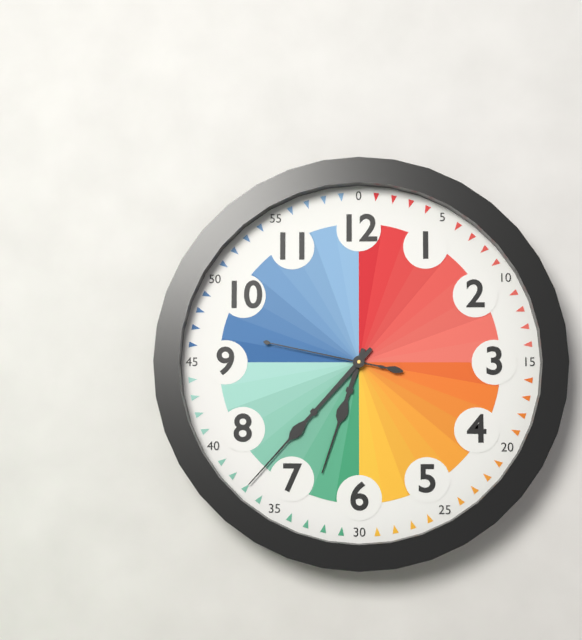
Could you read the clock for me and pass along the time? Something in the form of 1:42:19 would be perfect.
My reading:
6:37:47
